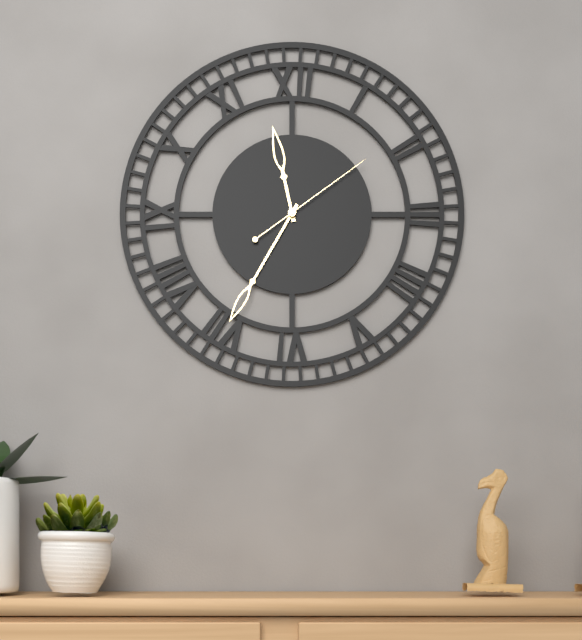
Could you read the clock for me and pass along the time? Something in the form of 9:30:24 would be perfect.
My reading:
11:35:09
